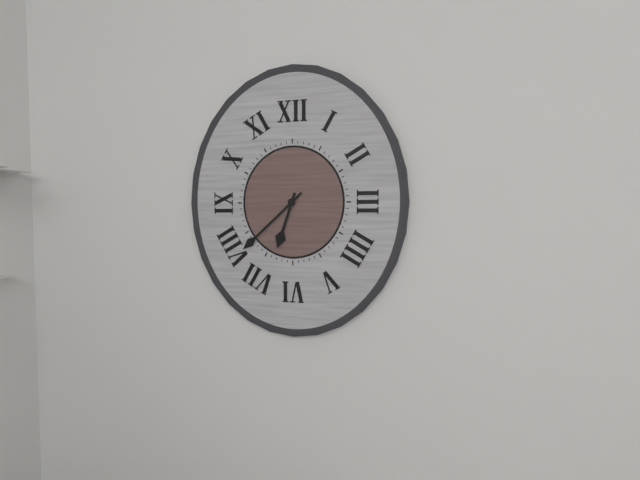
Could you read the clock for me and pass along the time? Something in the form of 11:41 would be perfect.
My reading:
6:38
